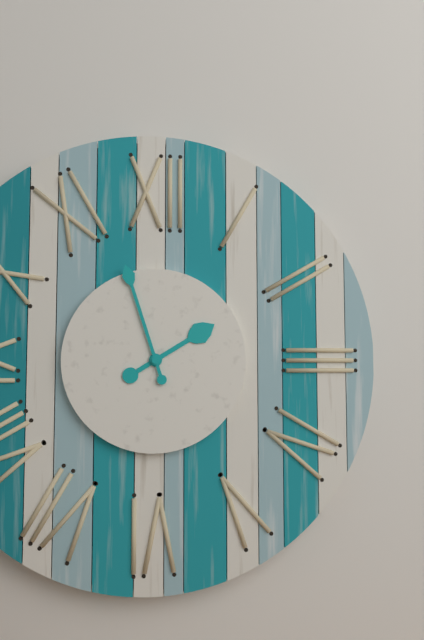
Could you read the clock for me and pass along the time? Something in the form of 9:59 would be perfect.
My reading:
1:57
